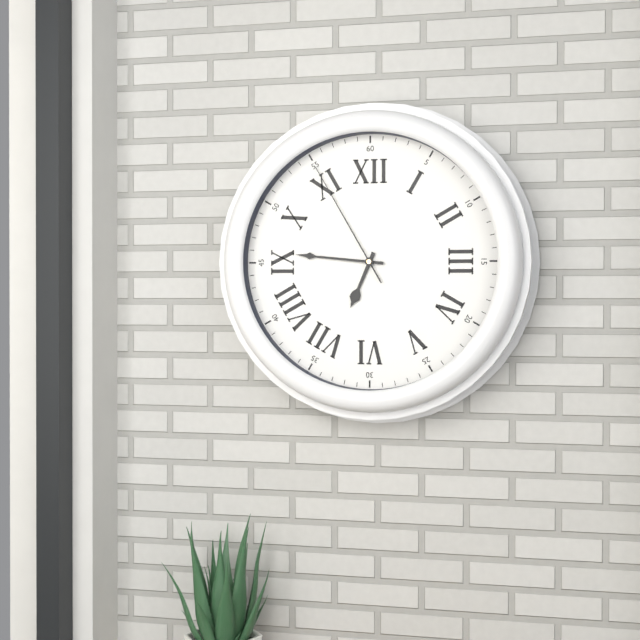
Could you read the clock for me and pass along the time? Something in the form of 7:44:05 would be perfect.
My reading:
6:46:55
